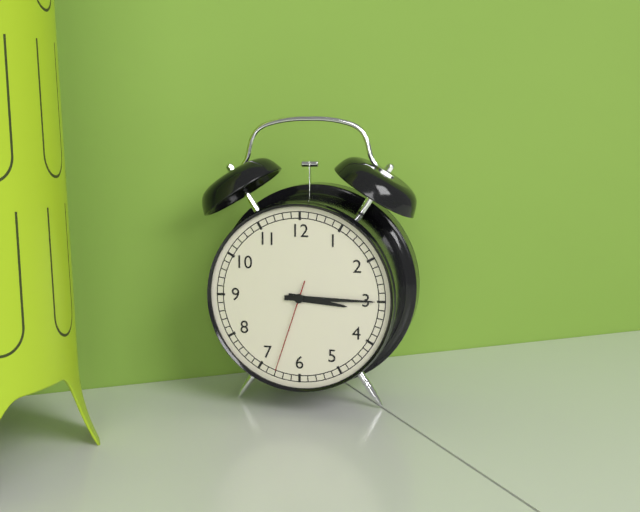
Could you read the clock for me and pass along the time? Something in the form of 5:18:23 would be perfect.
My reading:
3:15:33
